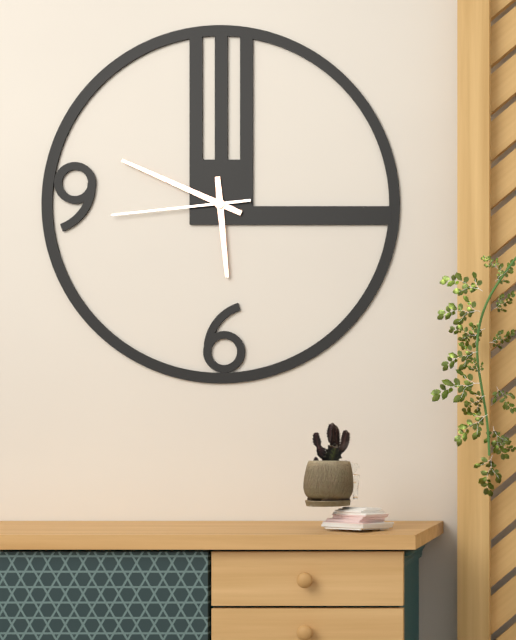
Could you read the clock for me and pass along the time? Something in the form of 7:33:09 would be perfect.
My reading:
5:49:44
